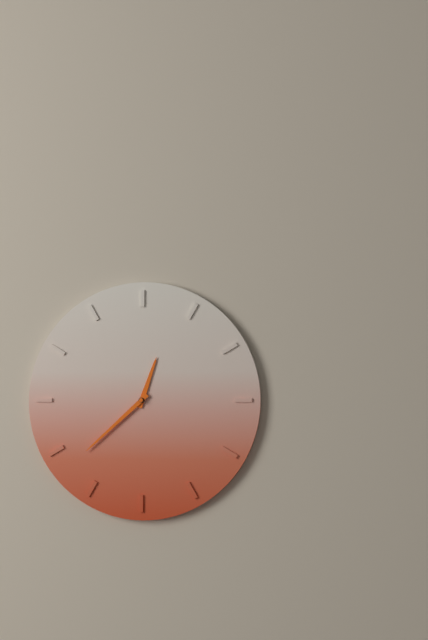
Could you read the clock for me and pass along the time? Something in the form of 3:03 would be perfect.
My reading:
12:38
